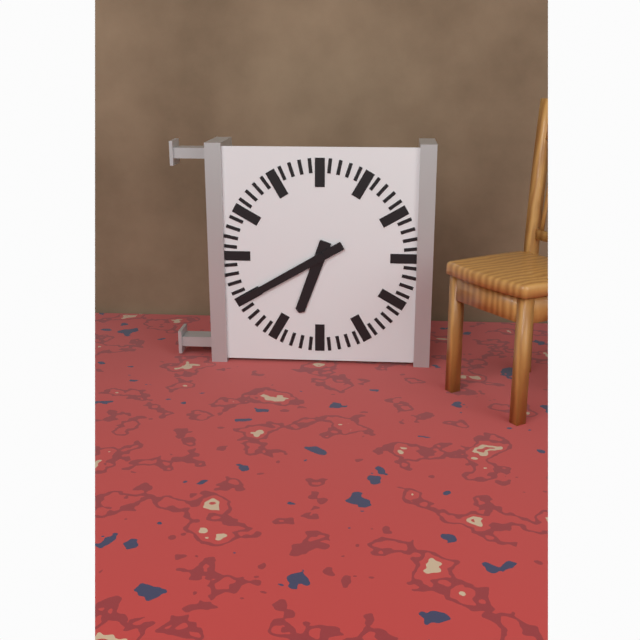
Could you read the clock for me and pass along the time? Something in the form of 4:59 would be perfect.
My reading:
6:40
